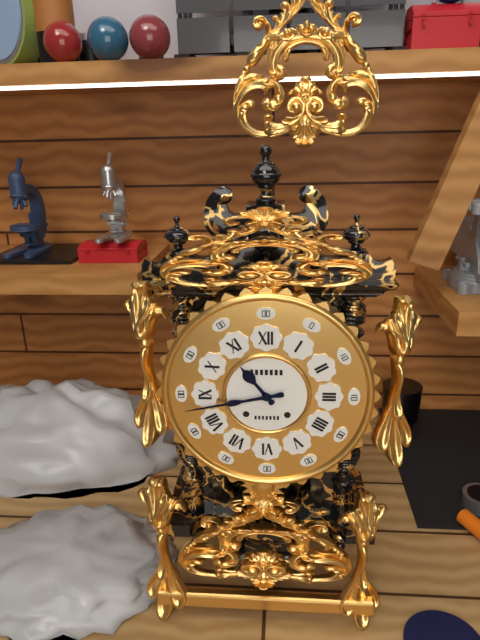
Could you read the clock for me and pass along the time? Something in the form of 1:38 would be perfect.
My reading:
10:43
